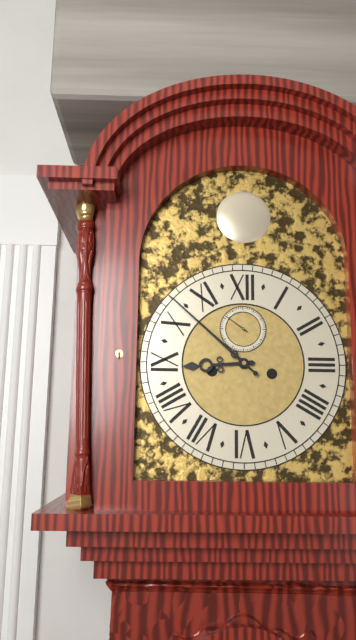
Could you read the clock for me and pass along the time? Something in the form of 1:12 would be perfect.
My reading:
8:52
